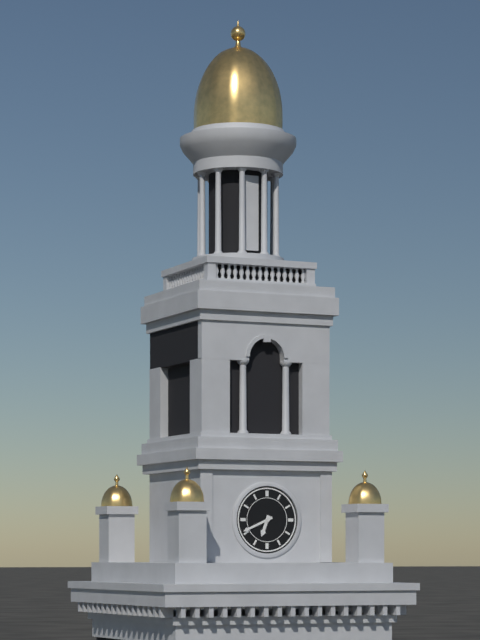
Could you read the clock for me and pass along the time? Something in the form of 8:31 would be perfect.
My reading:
6:41
